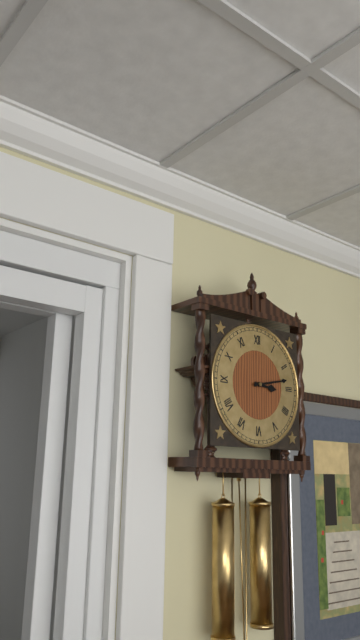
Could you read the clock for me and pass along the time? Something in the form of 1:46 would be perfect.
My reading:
3:13
